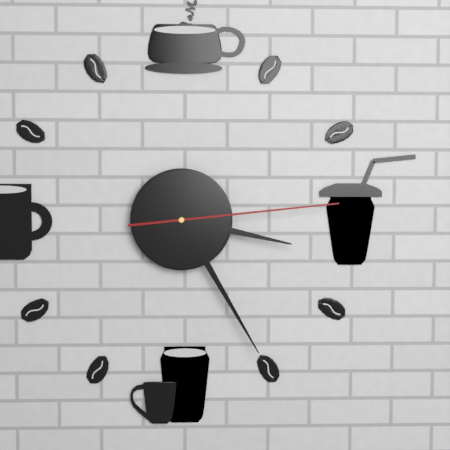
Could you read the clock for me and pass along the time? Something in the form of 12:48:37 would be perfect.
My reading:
3:25:14
